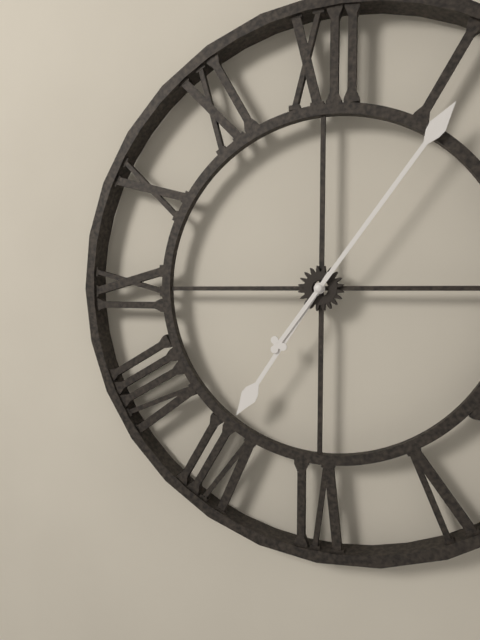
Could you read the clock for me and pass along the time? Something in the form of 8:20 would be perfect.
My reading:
7:06
